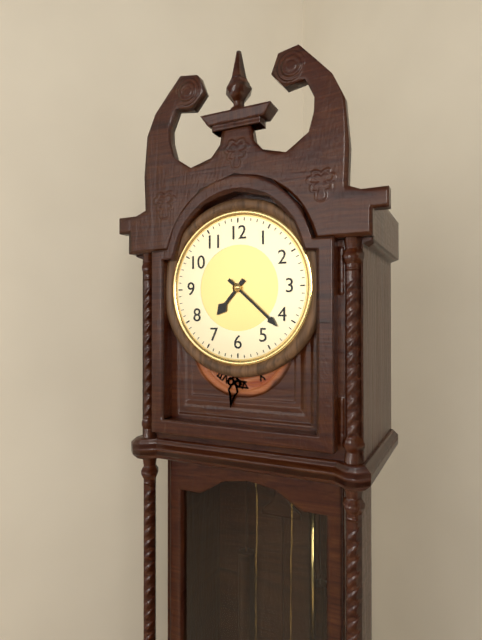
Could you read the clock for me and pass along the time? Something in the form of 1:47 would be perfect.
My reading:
7:22
